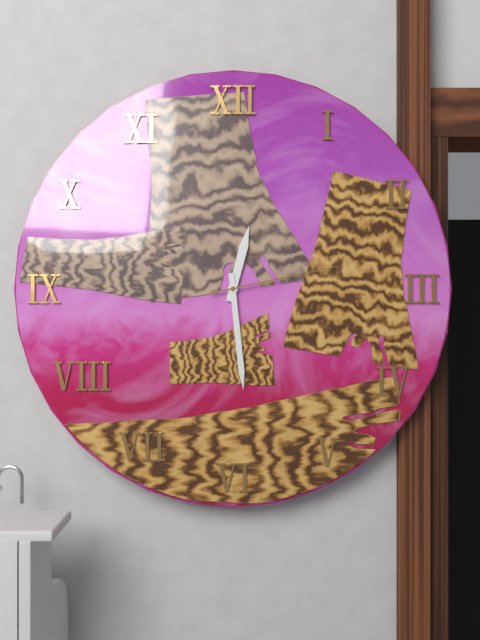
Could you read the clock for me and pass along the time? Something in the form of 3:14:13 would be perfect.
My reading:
12:29:13
